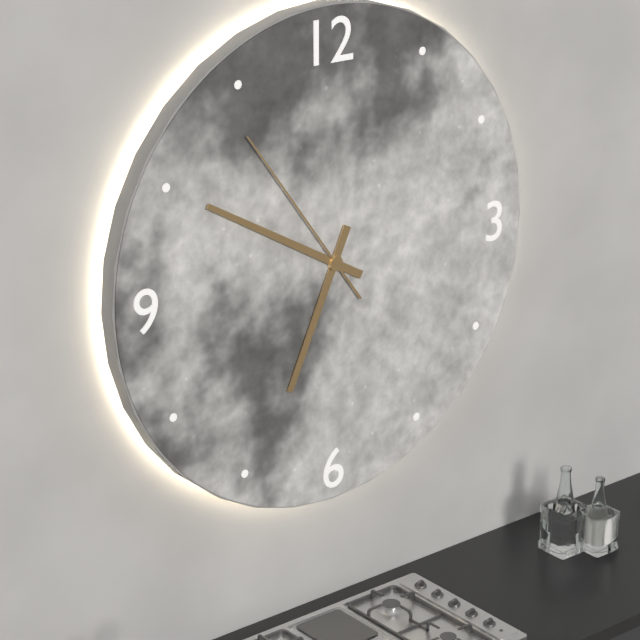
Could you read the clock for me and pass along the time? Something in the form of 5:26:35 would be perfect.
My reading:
6:50:54
